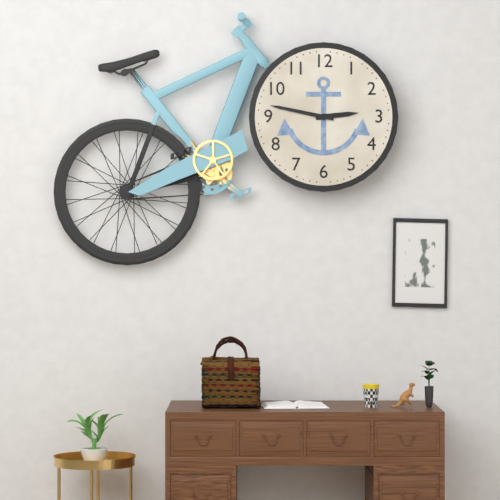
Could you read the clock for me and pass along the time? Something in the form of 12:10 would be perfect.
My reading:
2:47
